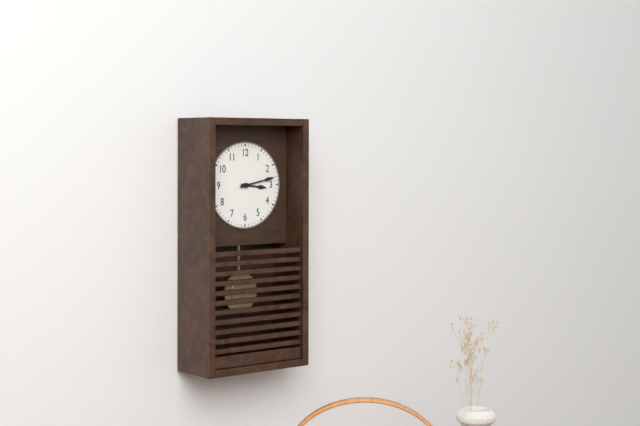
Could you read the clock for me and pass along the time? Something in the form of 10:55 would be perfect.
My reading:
3:13
